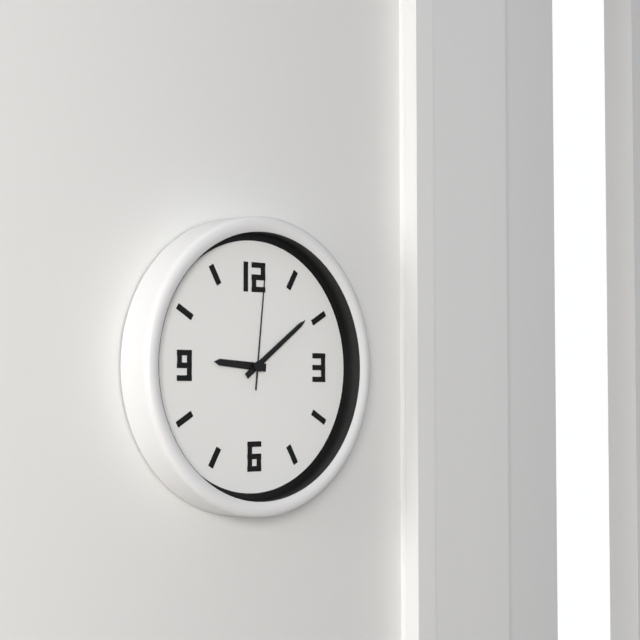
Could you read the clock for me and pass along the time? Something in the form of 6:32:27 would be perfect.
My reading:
9:09:01
